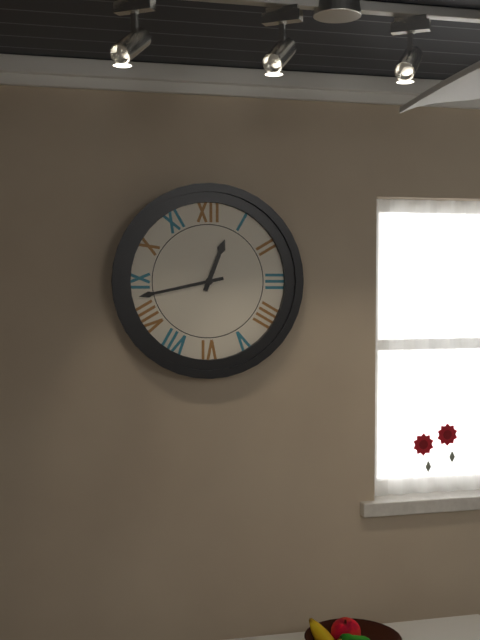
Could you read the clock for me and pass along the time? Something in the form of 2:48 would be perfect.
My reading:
12:43
